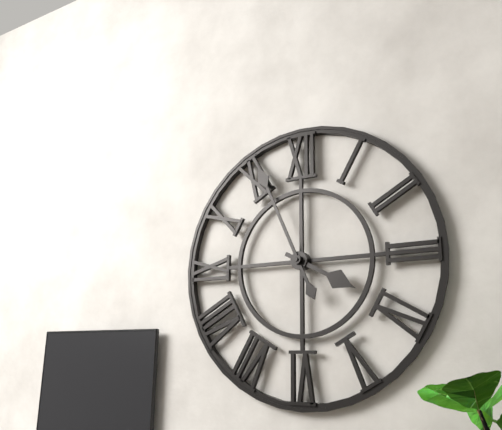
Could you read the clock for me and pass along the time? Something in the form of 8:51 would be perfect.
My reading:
3:56
